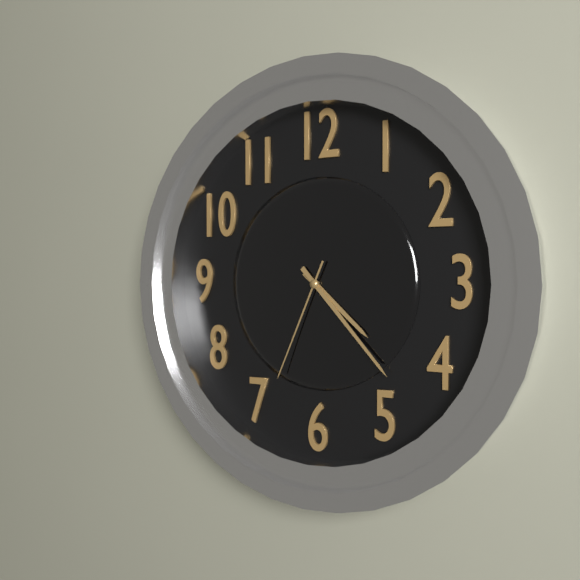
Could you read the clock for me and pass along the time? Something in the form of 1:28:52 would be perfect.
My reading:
4:23:34
